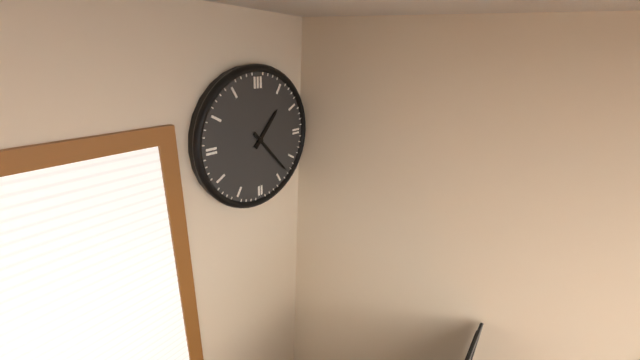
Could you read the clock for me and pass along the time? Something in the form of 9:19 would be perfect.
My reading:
1:23
